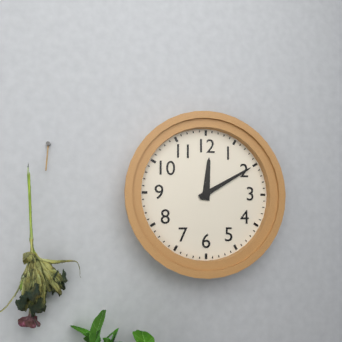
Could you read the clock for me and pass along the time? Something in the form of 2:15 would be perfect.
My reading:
12:10
